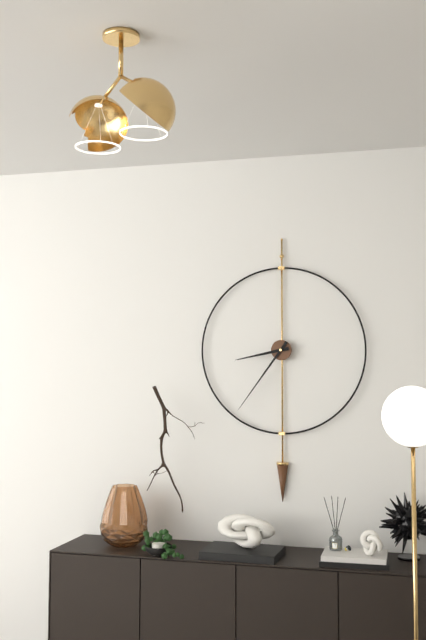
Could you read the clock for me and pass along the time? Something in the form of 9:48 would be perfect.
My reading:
8:36
